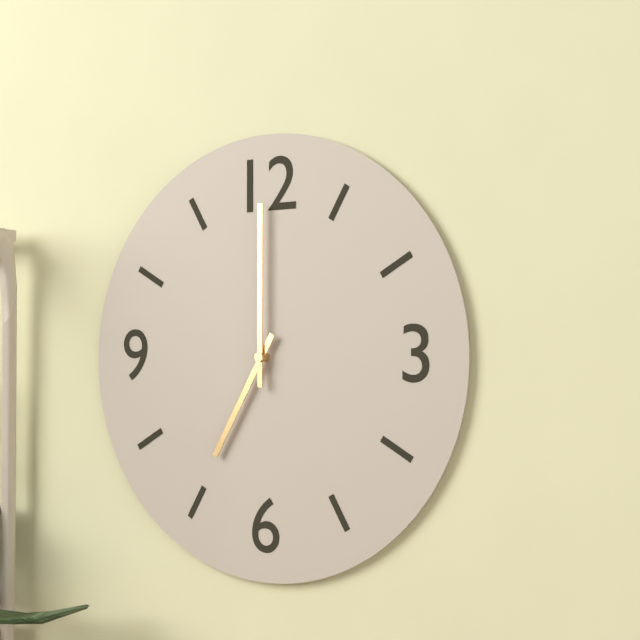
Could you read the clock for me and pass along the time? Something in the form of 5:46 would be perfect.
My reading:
7:00
